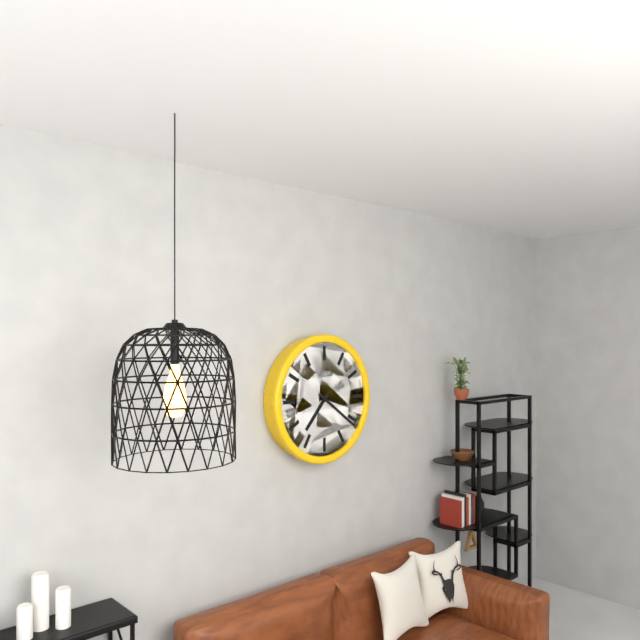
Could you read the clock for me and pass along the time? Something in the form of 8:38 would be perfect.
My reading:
7:21
